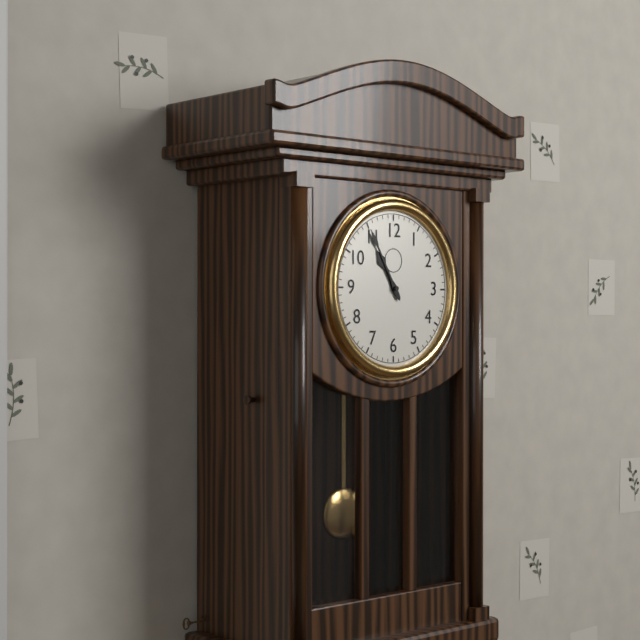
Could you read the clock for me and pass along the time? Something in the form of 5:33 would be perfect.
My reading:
10:55
